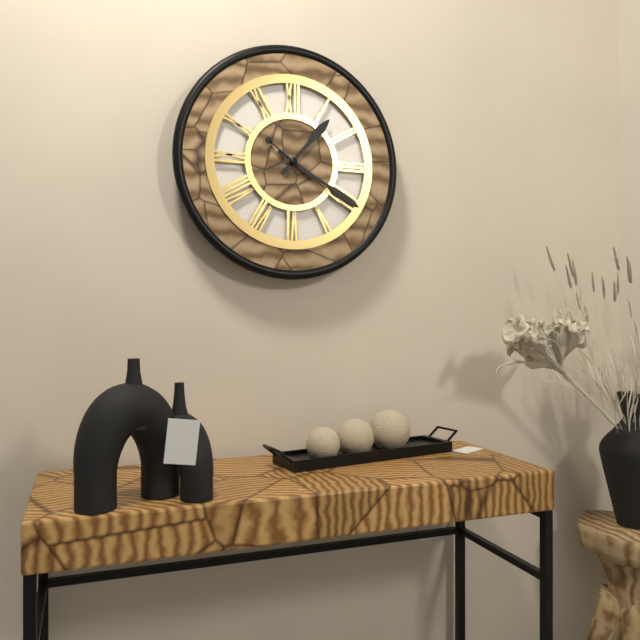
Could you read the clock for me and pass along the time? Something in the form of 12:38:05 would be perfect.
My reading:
1:20:21
